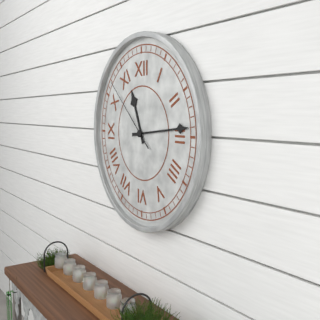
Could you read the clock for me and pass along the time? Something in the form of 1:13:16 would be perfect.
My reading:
11:14:52
